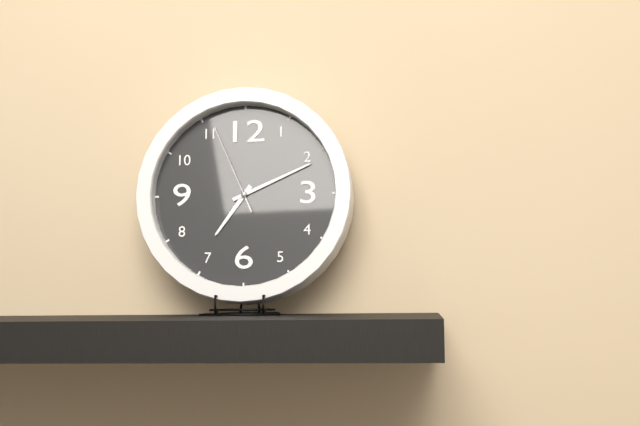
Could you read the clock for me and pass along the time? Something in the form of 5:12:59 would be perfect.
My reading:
7:11:56
